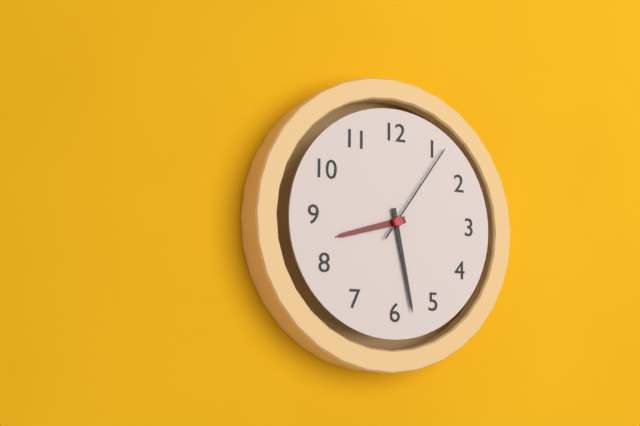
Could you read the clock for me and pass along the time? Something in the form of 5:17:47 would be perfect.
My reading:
8:28:06
